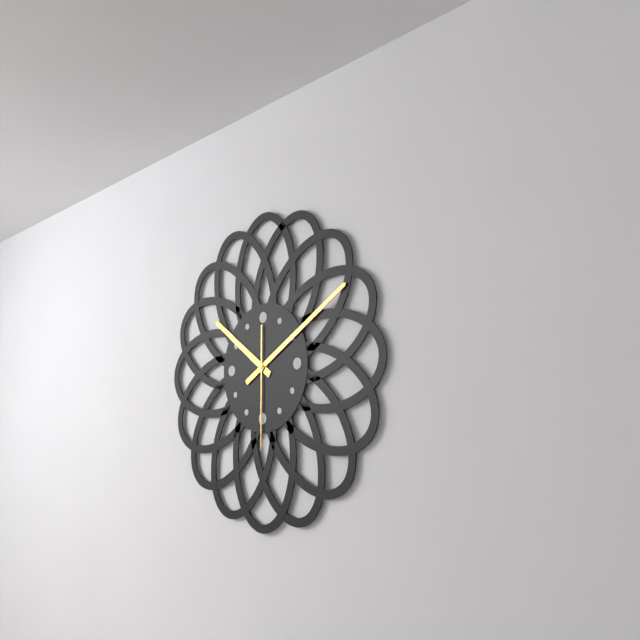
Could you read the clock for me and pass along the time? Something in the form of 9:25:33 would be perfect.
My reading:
10:10:30
